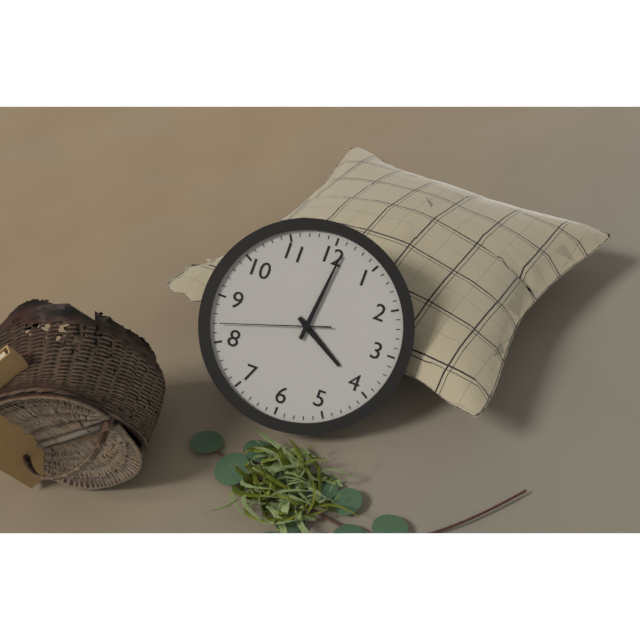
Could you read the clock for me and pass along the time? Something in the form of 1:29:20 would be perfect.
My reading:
4:01:42
